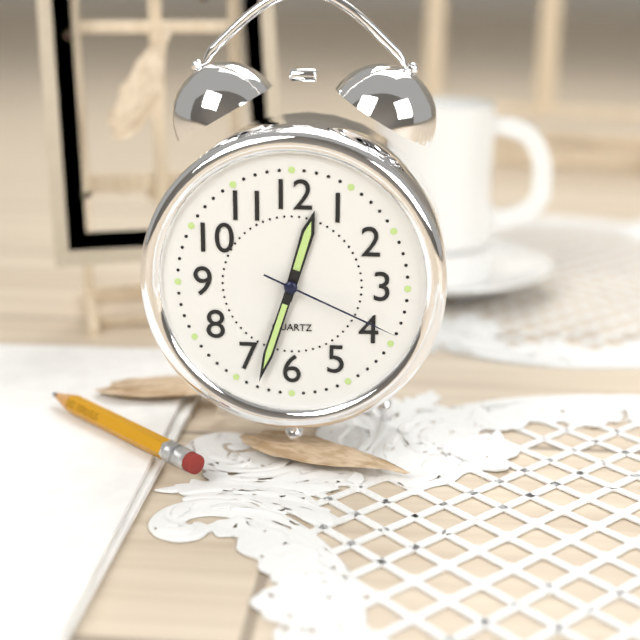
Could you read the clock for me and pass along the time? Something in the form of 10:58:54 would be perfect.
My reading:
12:33:19
